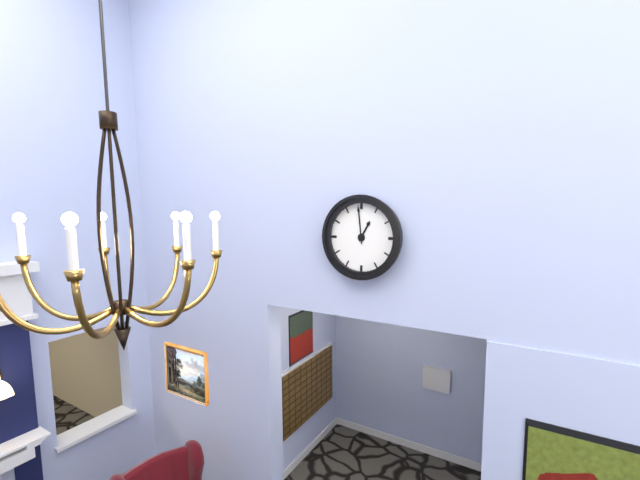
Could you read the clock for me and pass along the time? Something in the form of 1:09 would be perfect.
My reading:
12:59
